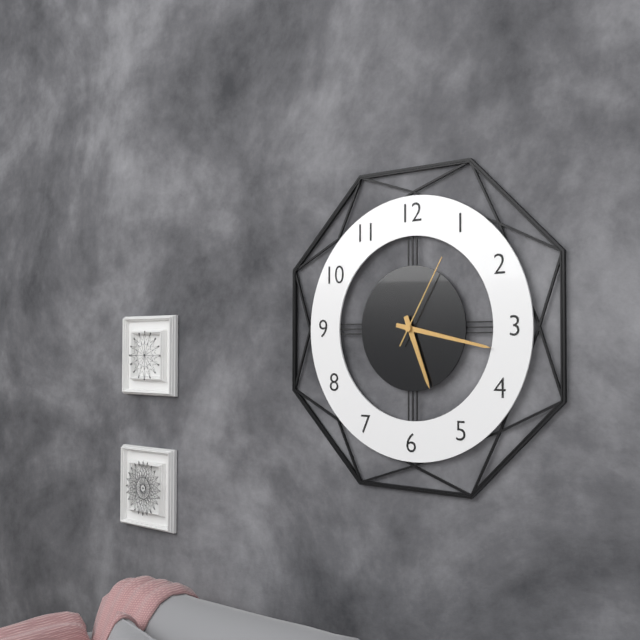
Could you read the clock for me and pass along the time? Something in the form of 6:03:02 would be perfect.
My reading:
5:17:05
